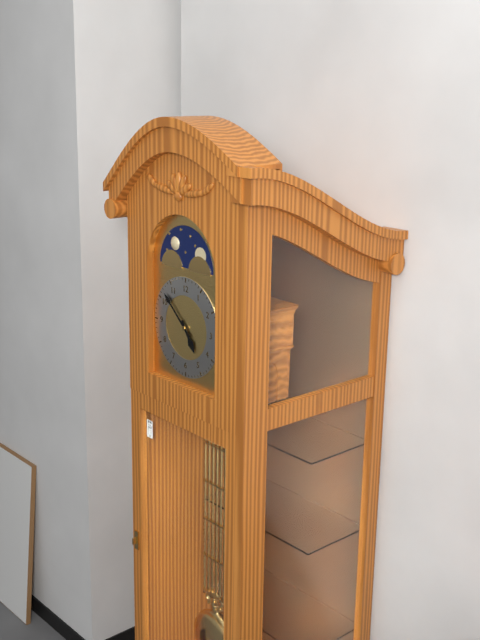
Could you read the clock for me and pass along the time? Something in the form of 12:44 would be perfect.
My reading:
4:52
